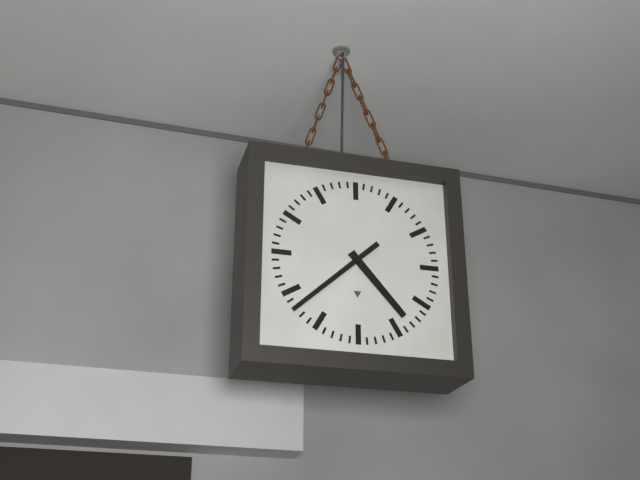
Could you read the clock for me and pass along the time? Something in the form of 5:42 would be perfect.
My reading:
4:38
